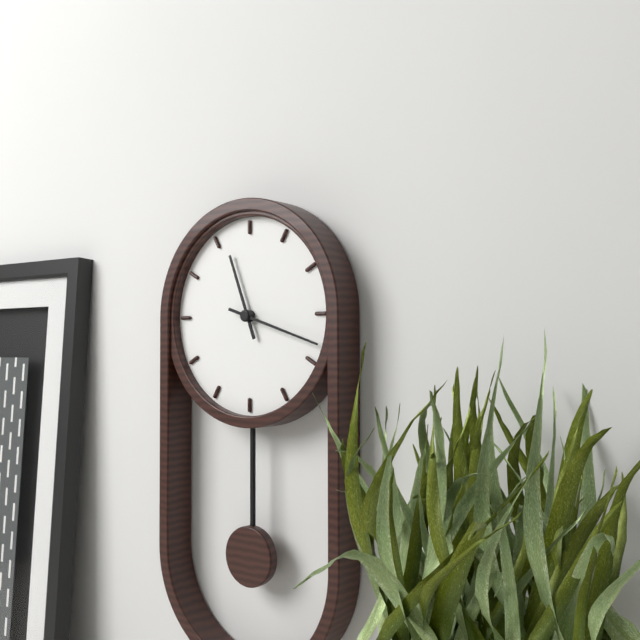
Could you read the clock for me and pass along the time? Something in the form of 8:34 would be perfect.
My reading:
11:18
